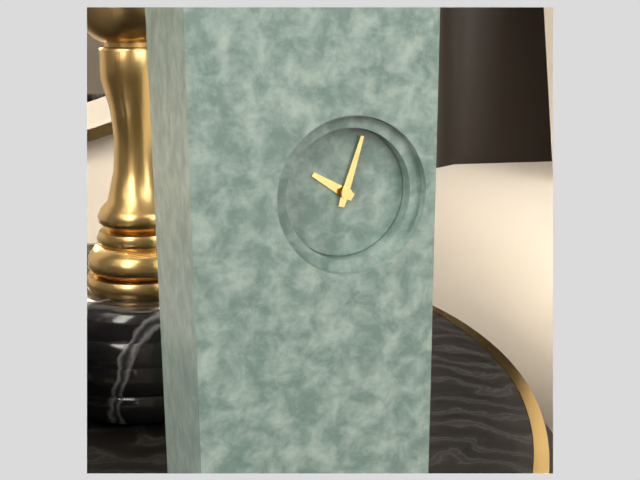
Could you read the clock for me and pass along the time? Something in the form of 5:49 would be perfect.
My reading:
10:03
